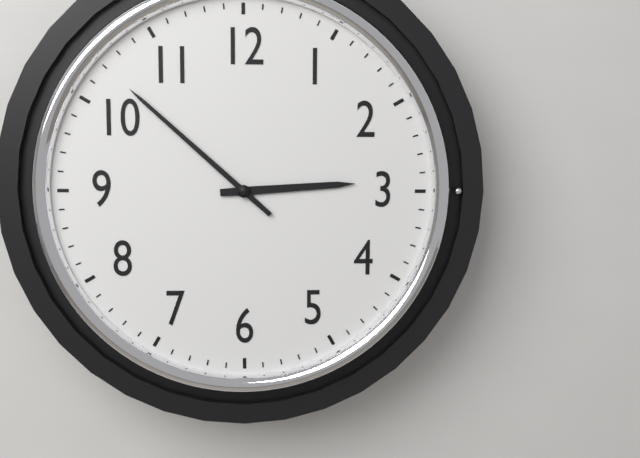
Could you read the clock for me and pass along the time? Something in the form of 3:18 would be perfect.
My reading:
2:52
